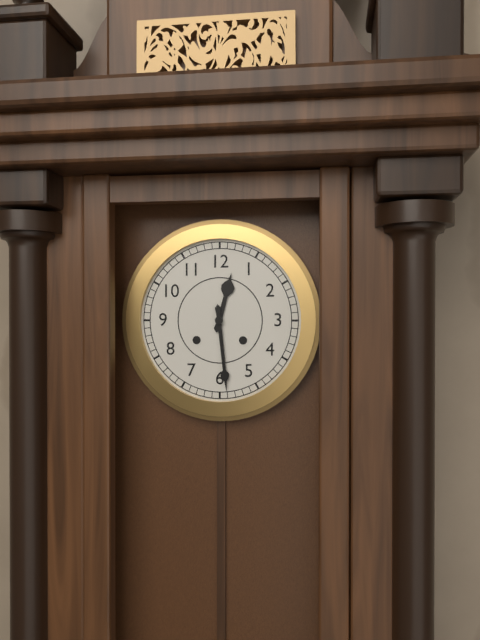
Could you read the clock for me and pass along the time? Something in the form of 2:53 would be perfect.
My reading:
12:29
